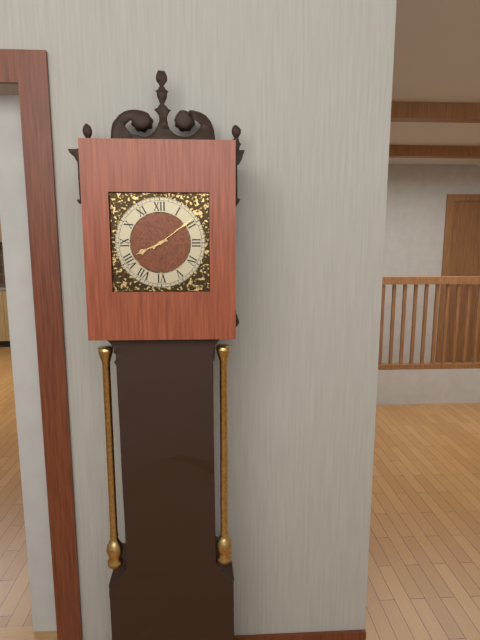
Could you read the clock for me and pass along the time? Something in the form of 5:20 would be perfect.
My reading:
8:09
